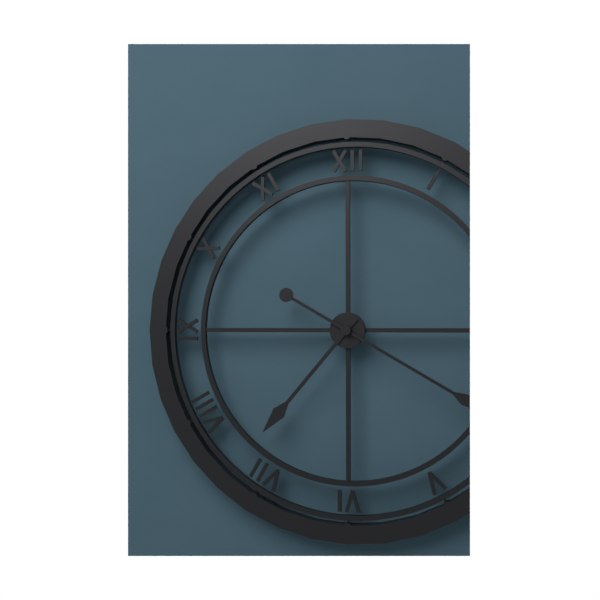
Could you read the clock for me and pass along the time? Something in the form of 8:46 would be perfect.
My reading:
7:20
